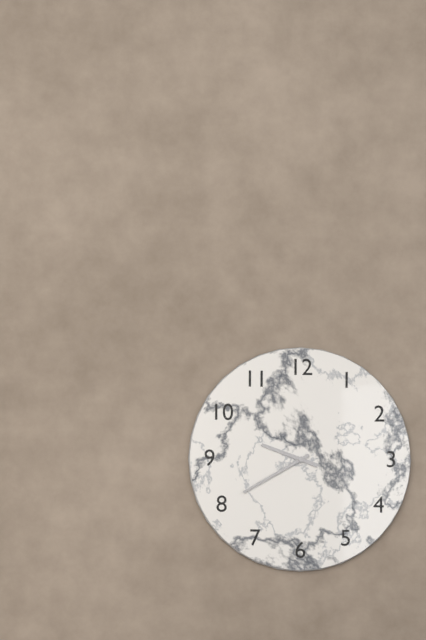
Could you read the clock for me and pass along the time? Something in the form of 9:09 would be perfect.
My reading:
9:40
